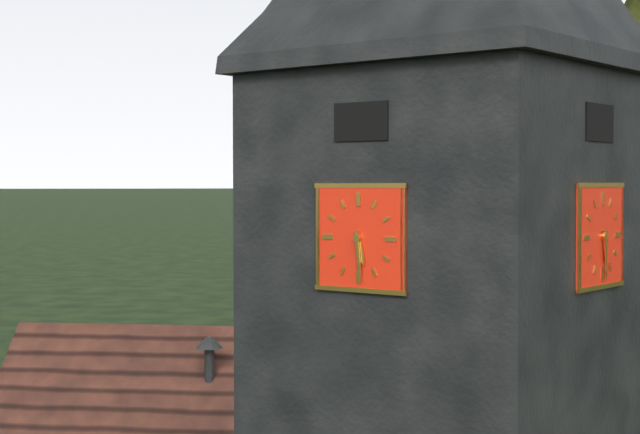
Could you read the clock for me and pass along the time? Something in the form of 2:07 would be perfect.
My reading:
5:29
